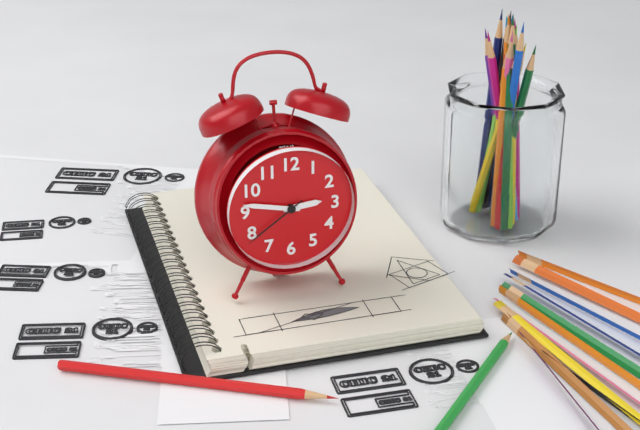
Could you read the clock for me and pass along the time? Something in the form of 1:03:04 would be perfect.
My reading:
2:47:39
